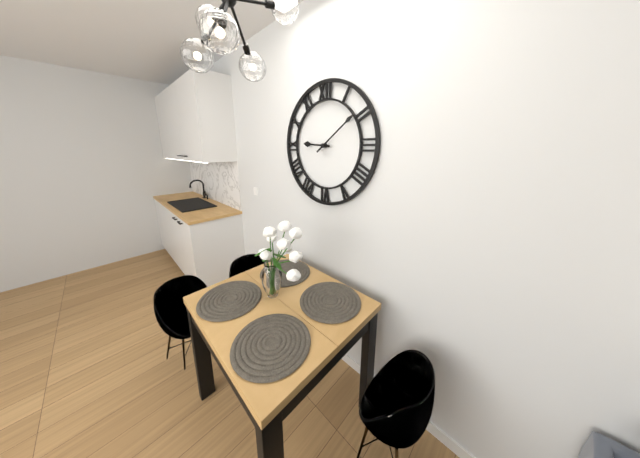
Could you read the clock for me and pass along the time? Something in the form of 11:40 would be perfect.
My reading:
9:09
